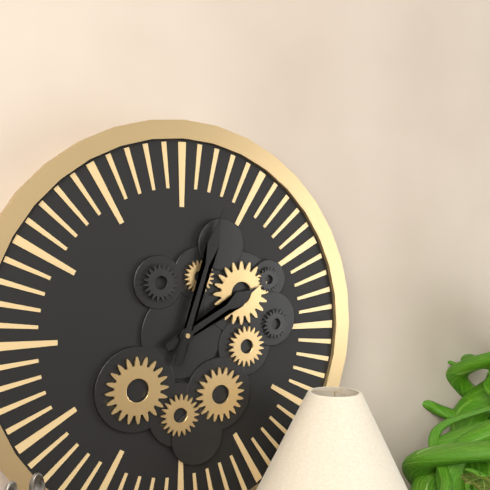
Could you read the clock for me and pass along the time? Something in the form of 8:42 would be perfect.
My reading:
2:03
